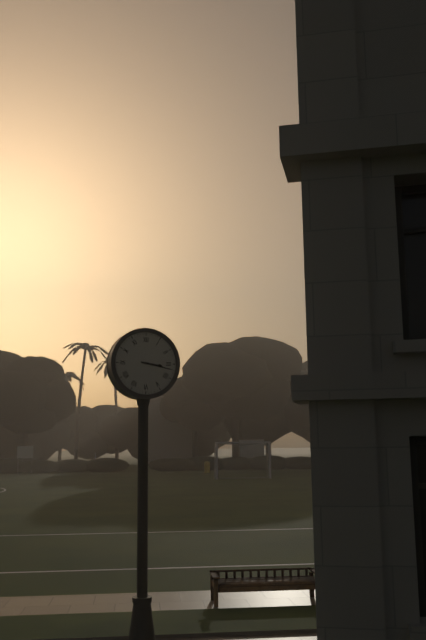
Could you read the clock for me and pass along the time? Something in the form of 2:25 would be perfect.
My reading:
3:17
